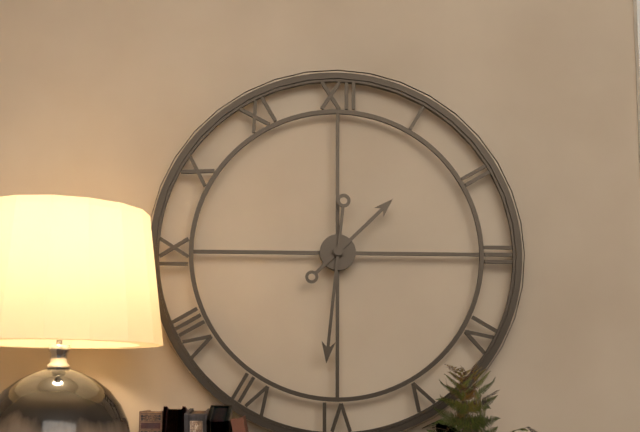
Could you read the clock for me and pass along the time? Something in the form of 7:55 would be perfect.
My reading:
1:31
